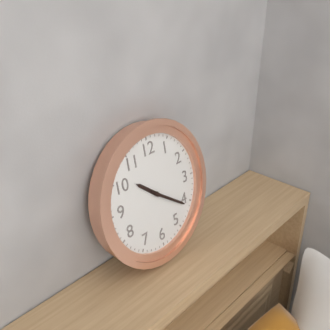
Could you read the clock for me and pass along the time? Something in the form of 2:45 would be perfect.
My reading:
10:21
